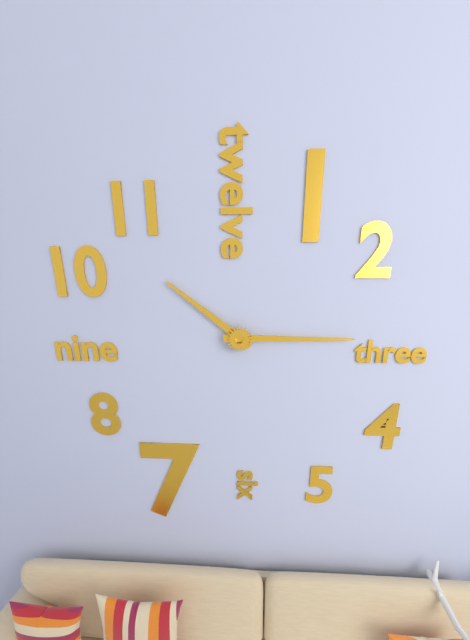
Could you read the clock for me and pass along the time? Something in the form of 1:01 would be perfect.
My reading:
10:15
